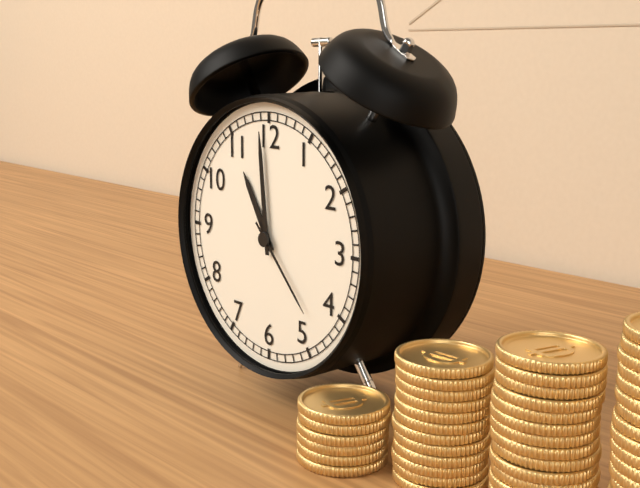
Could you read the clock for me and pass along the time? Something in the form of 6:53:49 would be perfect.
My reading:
10:59:23
